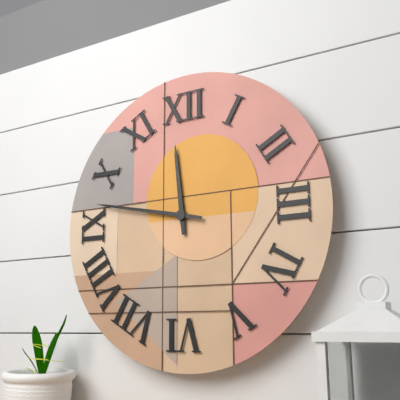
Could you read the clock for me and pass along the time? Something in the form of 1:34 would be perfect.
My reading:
11:47
